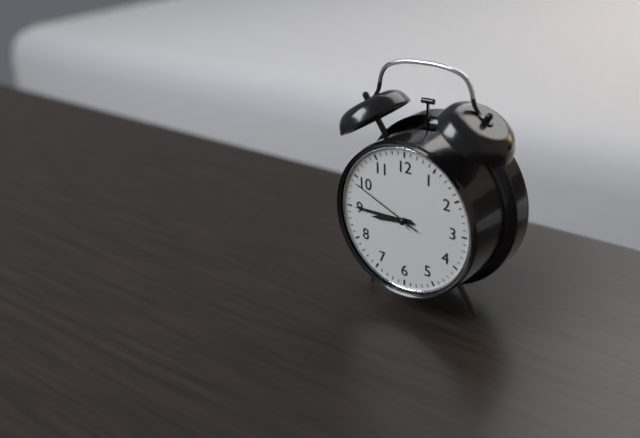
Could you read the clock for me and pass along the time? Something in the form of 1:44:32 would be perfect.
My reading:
8:45:49
